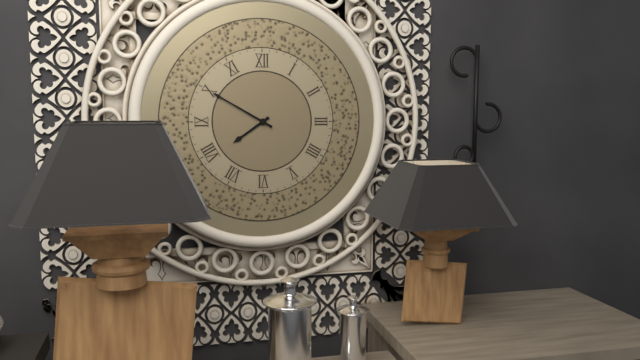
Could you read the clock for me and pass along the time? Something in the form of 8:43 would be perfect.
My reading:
7:50
